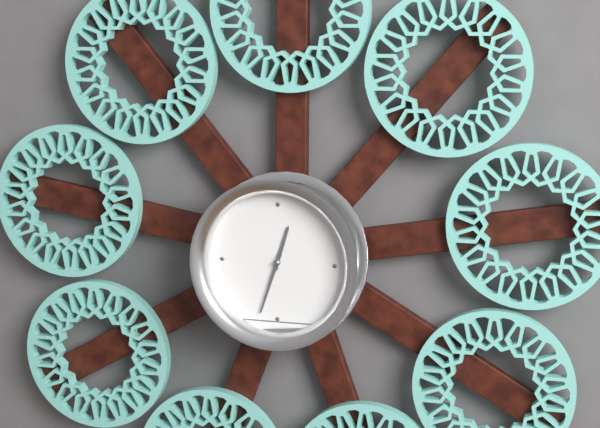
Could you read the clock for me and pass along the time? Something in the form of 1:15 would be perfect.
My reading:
12:33
